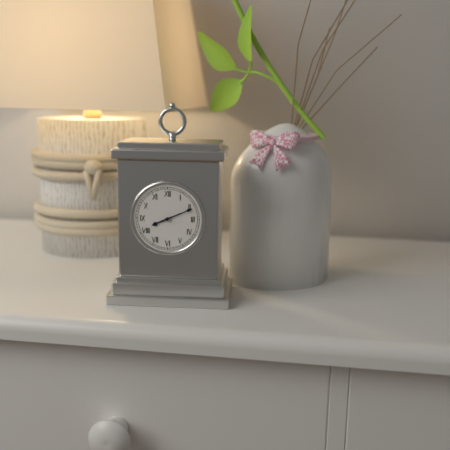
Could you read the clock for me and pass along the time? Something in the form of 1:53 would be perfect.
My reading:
8:11
